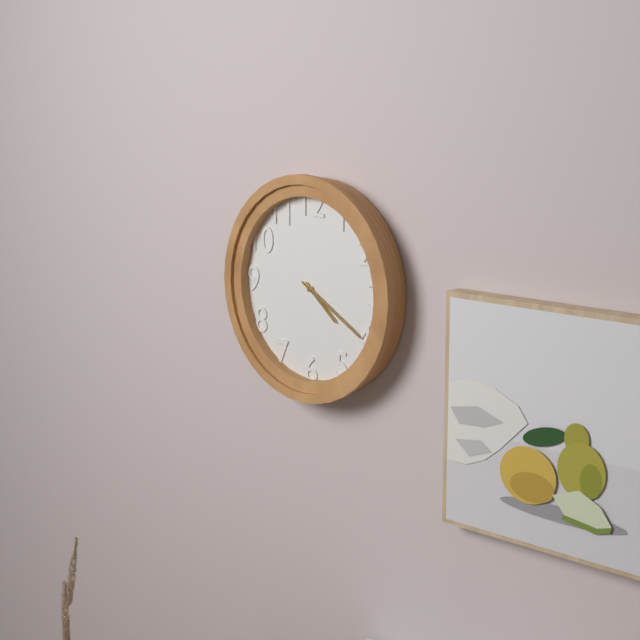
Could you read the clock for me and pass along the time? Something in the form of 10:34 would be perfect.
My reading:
4:20
